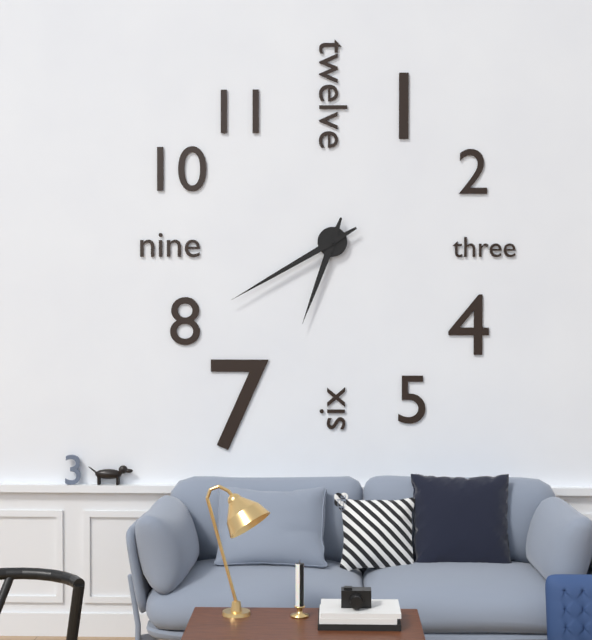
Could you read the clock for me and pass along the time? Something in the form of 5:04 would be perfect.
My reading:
6:40
